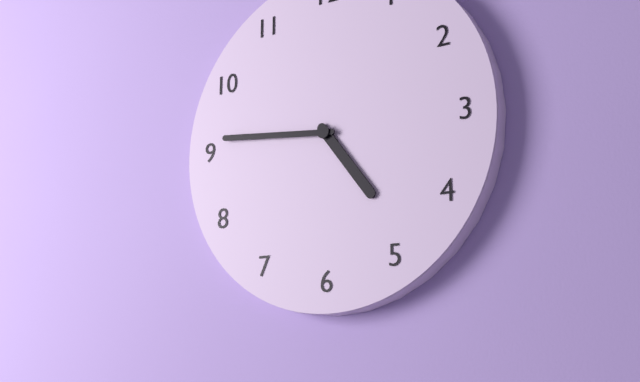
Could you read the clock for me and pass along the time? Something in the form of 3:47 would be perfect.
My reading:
4:46
